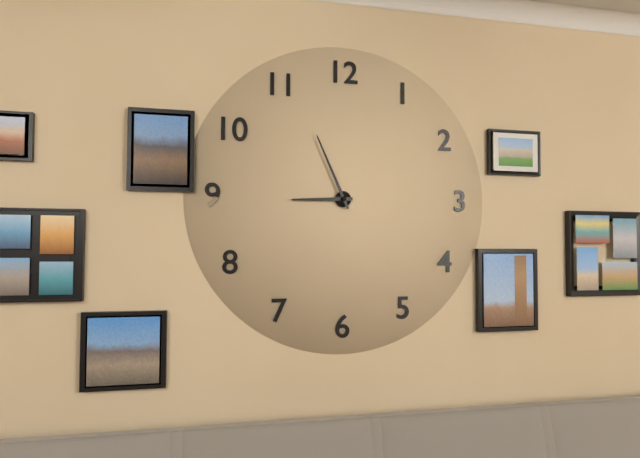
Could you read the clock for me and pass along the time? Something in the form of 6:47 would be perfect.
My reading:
8:56
